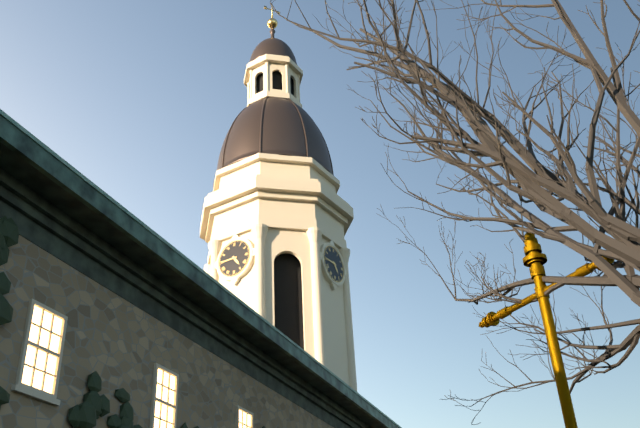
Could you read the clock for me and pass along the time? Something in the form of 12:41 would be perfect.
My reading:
4:45
